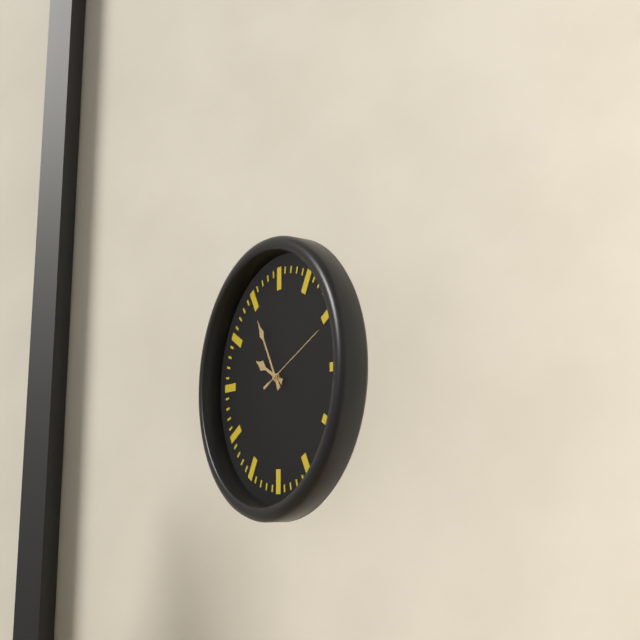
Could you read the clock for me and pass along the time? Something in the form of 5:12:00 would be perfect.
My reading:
9:55:11
